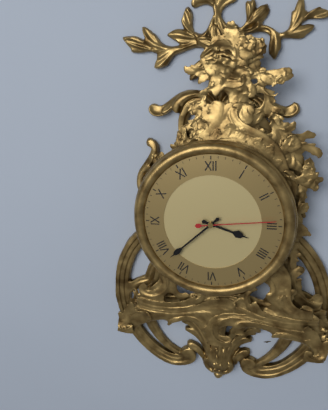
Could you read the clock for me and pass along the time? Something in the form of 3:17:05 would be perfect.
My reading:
3:38:14
